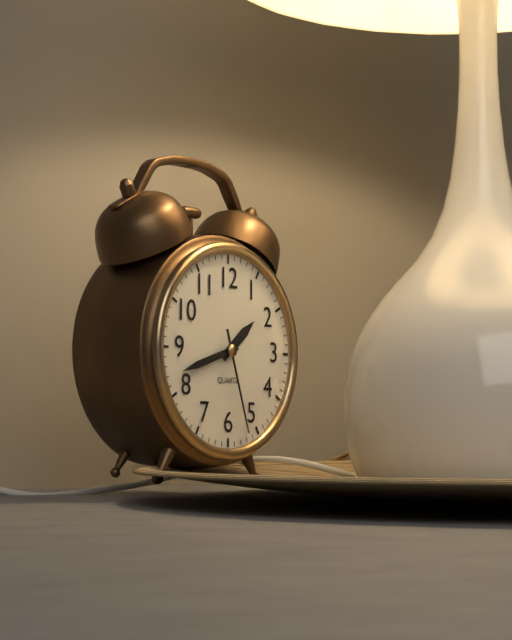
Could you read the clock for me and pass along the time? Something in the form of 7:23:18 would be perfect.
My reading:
1:42:27
